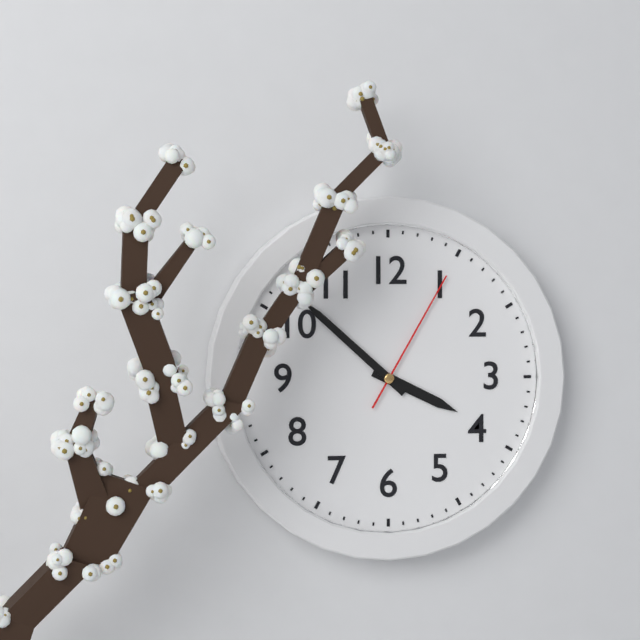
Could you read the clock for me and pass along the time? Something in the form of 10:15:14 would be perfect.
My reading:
3:52:05
